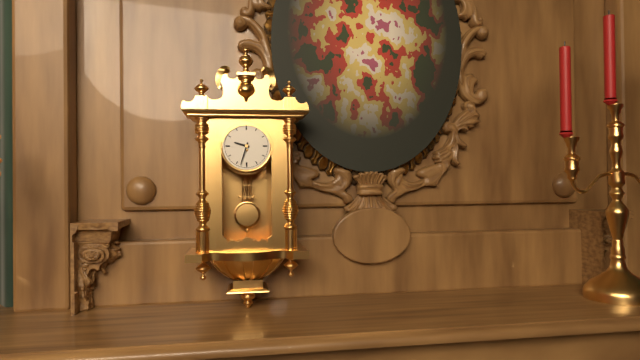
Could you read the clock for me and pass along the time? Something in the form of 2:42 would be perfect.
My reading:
9:33
